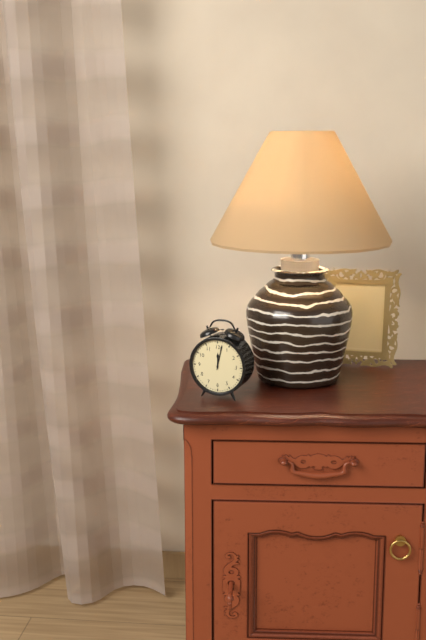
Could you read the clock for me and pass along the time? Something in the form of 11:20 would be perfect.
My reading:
12:02
